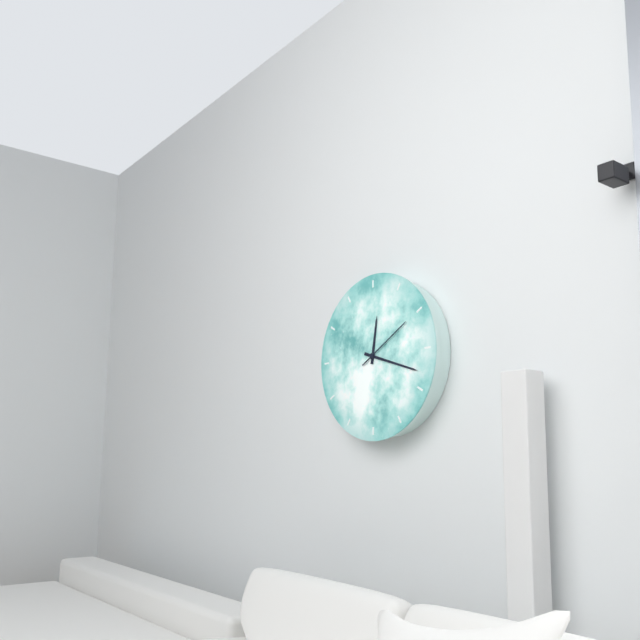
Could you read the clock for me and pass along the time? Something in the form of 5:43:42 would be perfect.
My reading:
12:18:10
